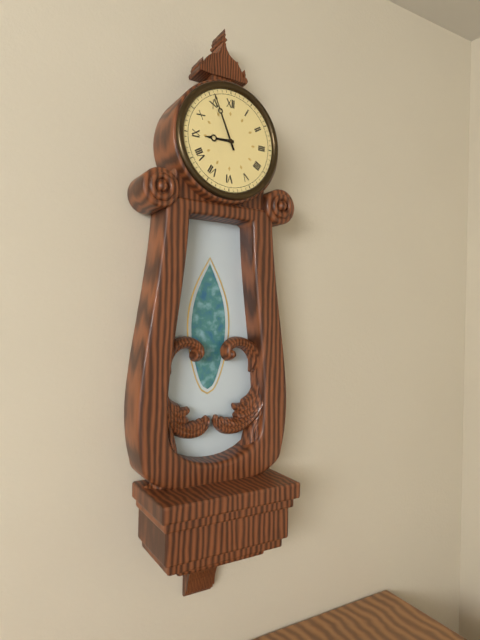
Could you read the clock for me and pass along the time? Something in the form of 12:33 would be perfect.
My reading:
8:56
